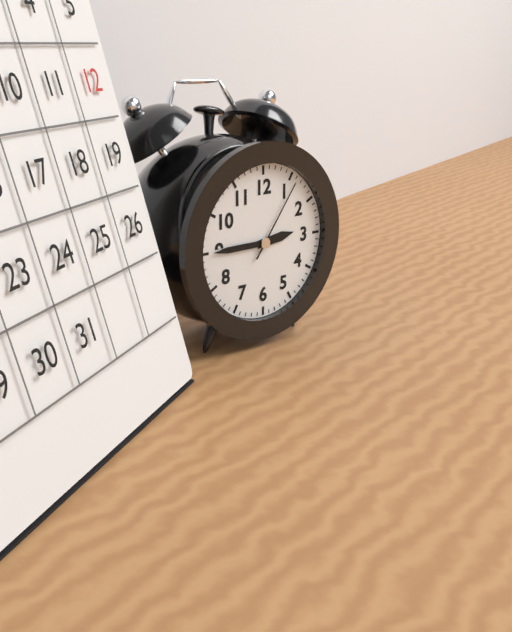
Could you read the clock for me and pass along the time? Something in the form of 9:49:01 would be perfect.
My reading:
2:45:06
